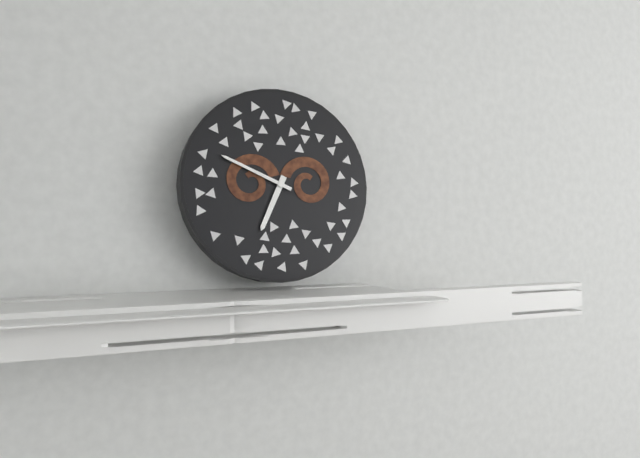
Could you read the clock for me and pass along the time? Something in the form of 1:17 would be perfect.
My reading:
6:49
